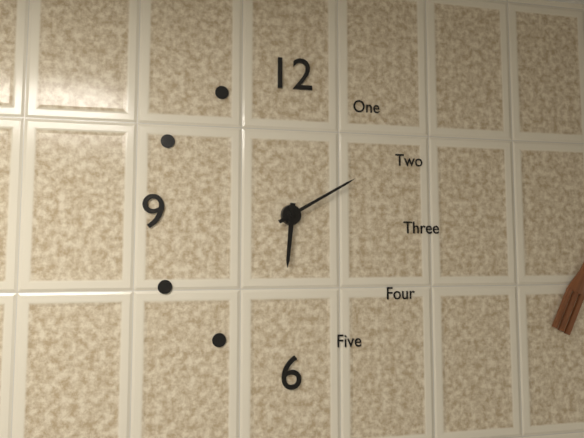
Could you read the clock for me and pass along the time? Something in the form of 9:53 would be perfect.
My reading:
6:10
